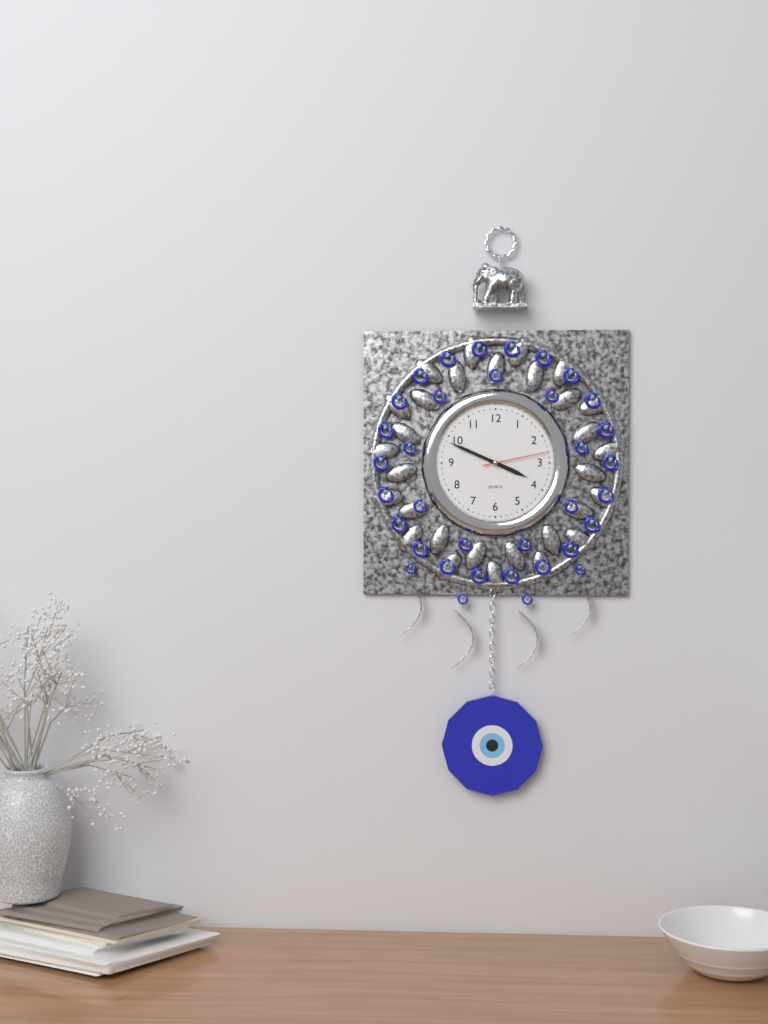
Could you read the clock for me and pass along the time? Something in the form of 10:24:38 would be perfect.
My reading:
3:49:13
